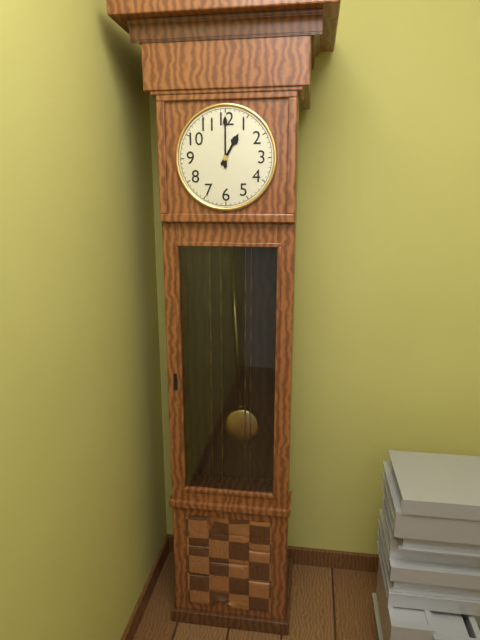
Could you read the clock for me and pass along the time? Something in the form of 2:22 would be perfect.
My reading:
1:00
